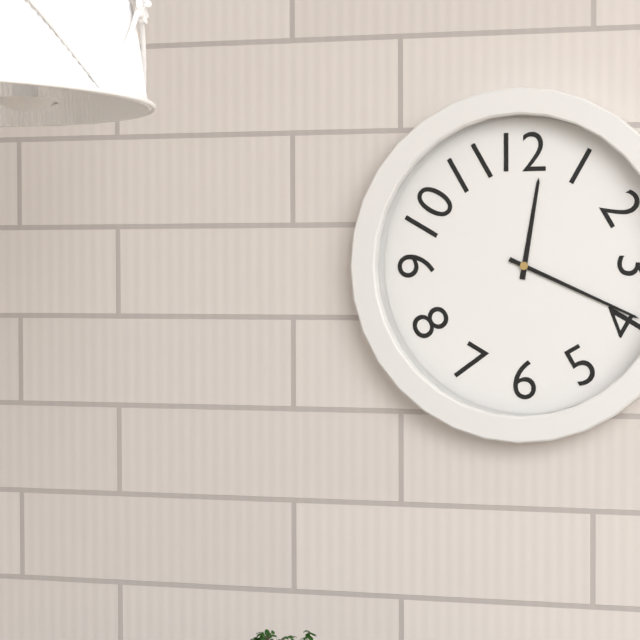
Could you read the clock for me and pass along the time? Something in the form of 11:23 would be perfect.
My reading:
12:19
